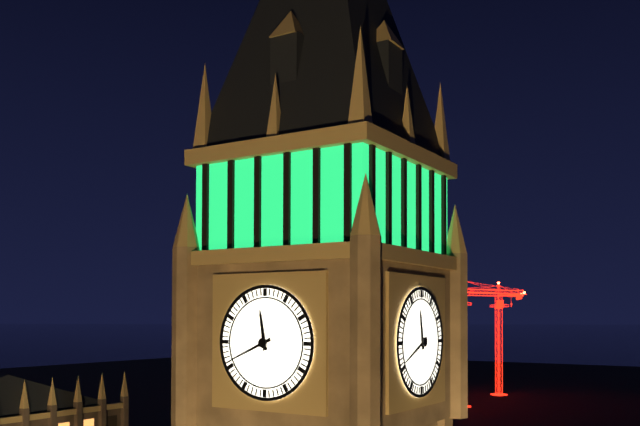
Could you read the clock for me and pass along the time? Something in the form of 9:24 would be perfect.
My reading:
11:41
